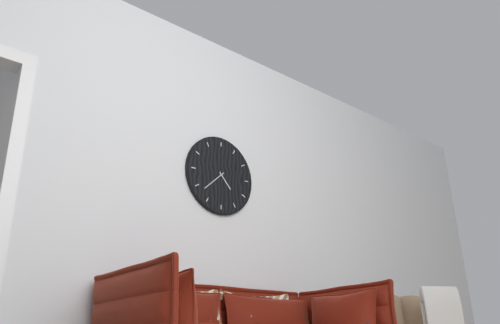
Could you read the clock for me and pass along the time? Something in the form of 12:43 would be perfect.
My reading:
4:38
